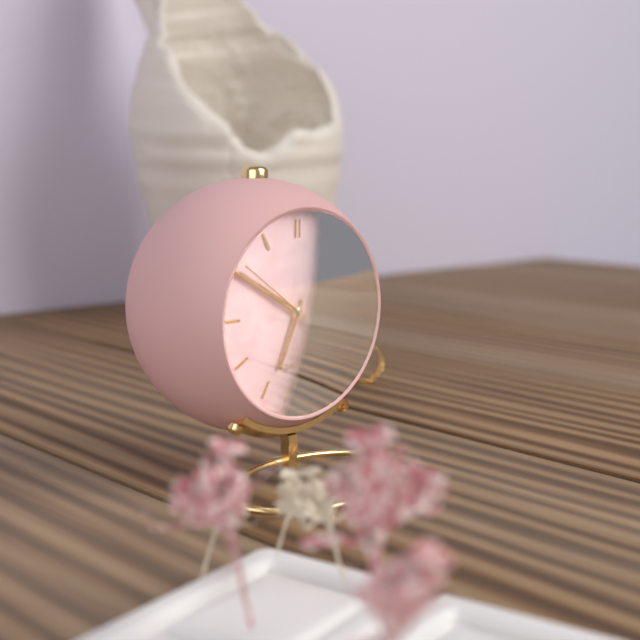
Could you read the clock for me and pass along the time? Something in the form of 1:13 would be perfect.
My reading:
6:50
